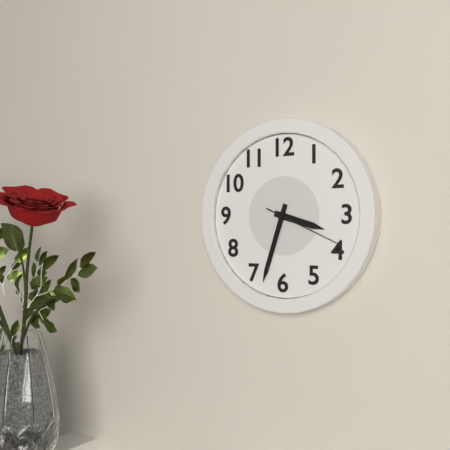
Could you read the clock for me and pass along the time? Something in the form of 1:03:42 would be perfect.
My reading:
3:33:19
